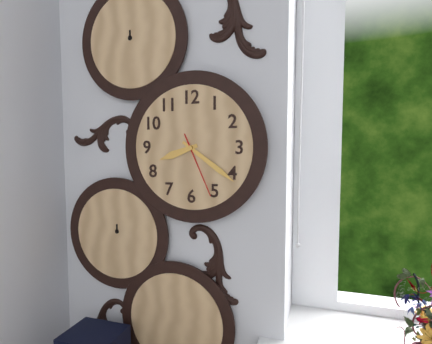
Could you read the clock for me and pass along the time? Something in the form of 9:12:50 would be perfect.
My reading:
8:21:26
